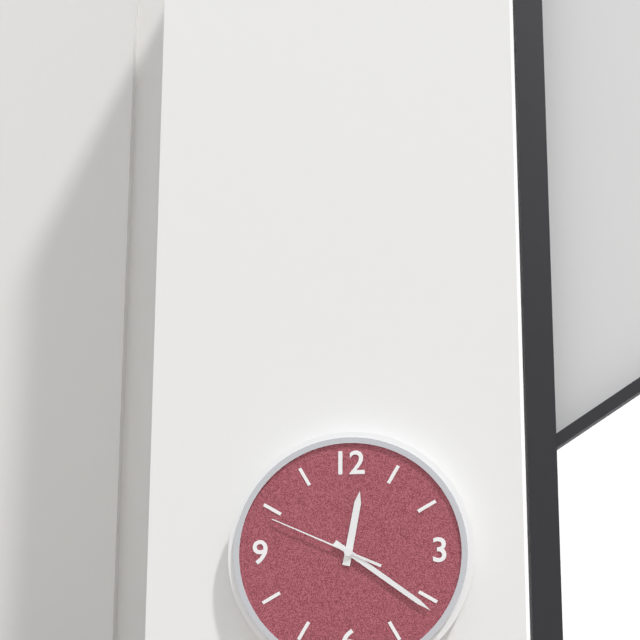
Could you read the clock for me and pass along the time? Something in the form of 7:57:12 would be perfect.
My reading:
12:21:49
